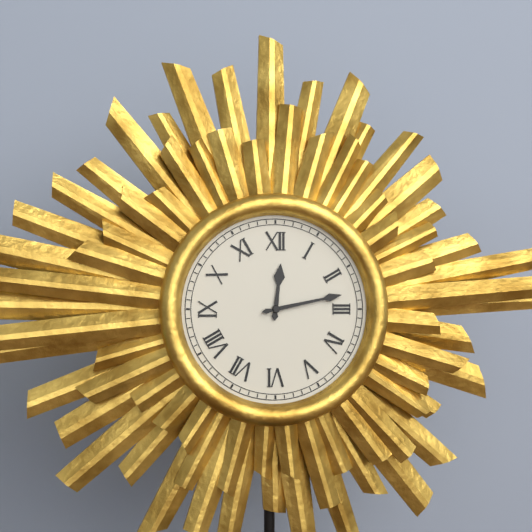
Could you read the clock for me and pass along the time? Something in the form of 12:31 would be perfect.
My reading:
12:13
